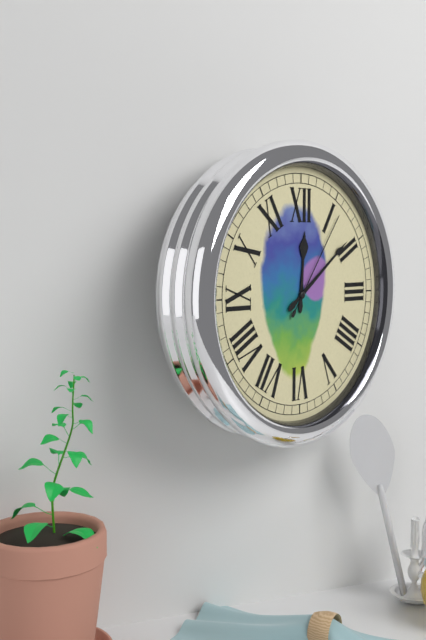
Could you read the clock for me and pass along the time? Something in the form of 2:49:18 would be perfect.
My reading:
12:09:06
